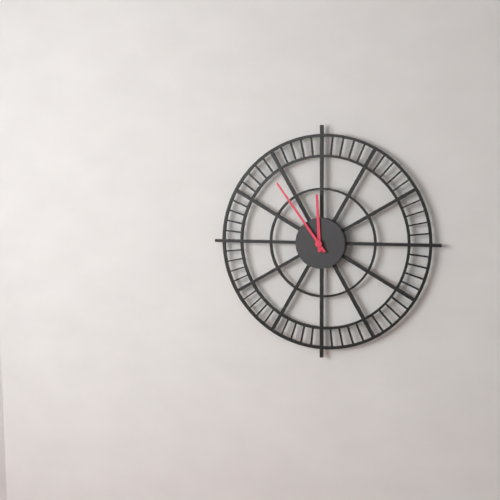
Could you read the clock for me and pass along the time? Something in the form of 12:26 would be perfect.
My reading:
11:54
